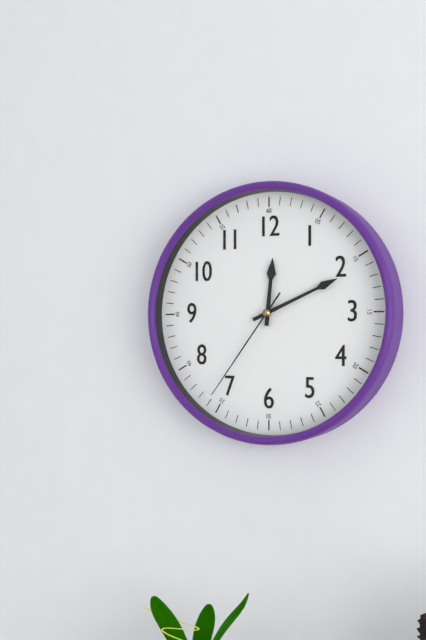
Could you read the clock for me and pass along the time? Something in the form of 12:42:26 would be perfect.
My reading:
12:11:36
